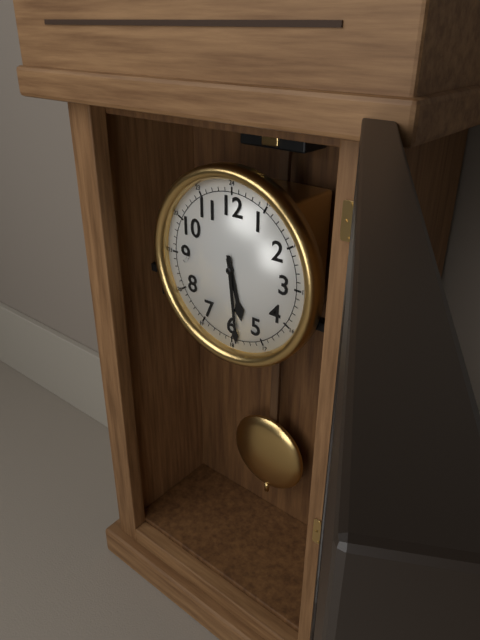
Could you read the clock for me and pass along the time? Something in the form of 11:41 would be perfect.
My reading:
5:29
